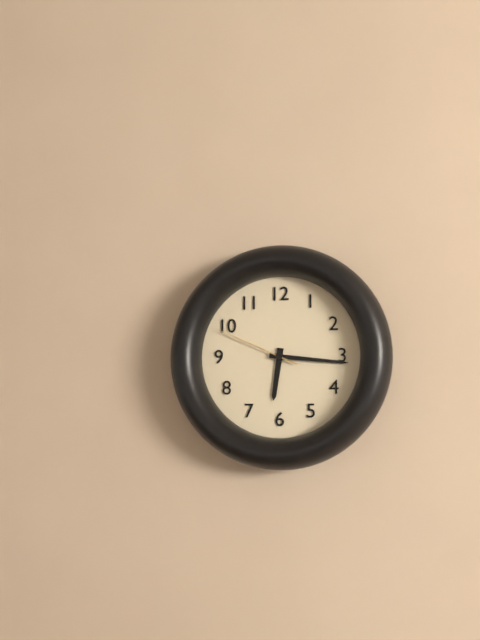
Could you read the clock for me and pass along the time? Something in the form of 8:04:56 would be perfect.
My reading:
6:16:49
